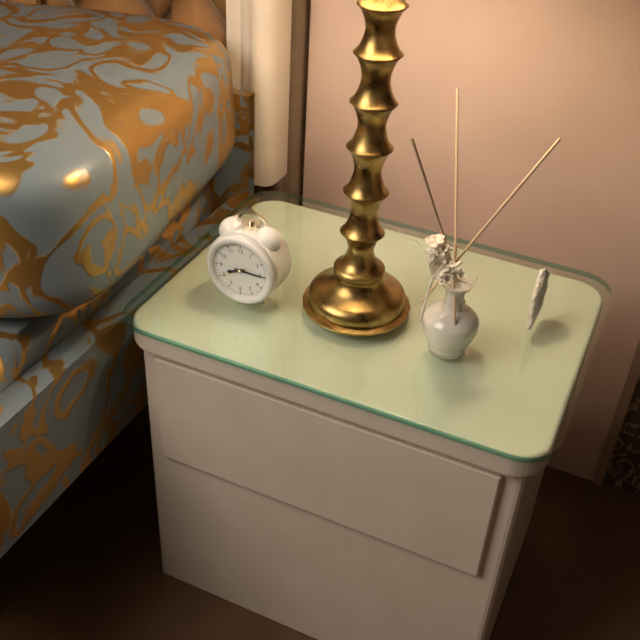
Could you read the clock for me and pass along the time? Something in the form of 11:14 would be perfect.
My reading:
8:15
